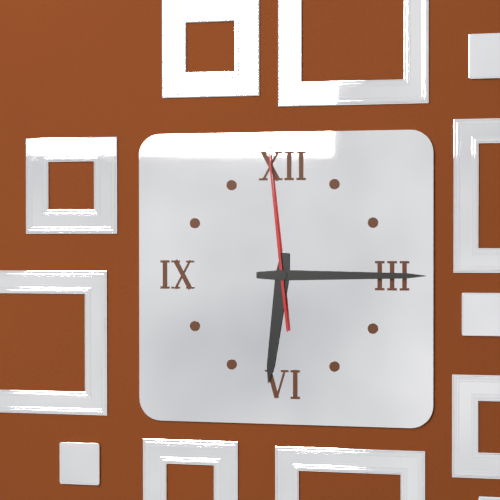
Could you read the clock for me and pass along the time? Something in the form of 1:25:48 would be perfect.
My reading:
6:15:59
